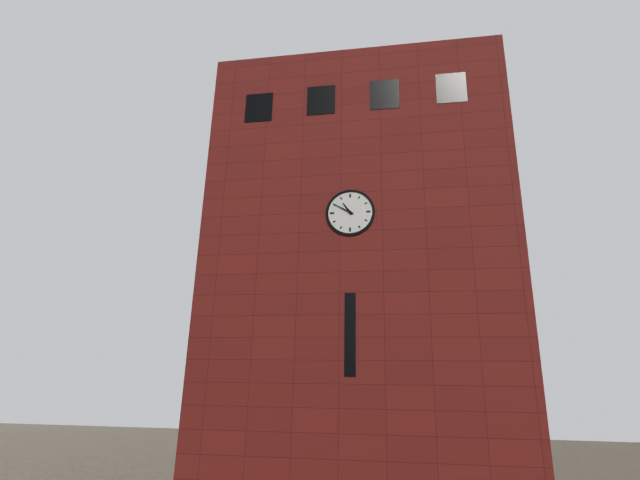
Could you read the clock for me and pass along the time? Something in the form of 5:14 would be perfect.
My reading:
10:50
